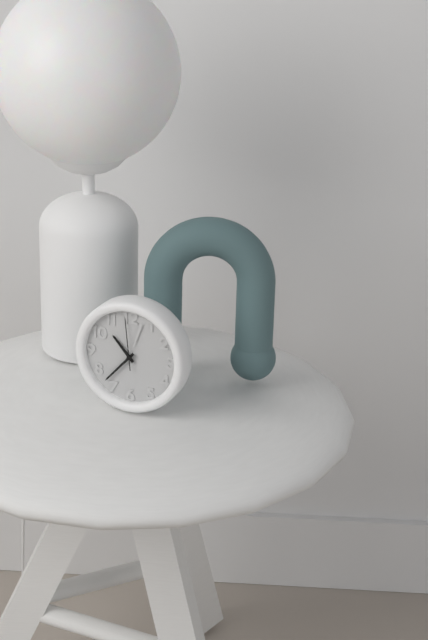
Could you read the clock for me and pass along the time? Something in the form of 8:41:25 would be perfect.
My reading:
10:37:59
